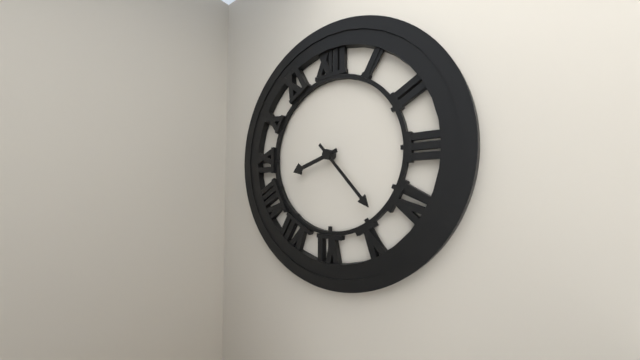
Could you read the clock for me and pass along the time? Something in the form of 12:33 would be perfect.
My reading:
8:23
